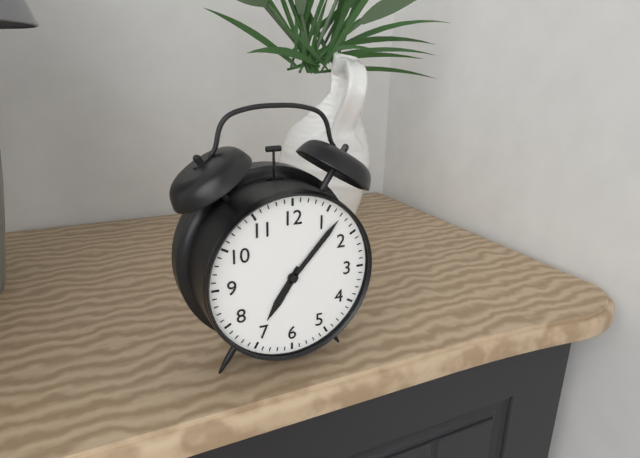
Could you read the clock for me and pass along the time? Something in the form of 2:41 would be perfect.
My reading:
7:07
